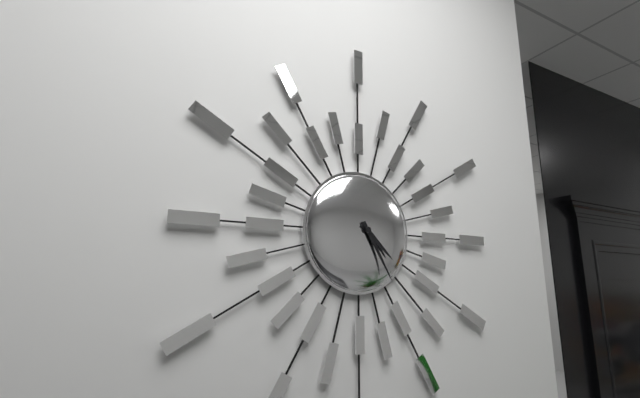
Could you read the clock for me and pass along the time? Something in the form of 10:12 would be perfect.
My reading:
4:25
